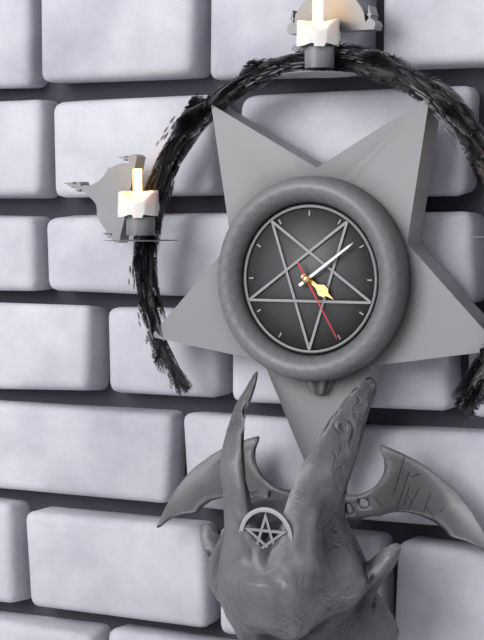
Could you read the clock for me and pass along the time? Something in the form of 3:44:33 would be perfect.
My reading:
4:09:25
